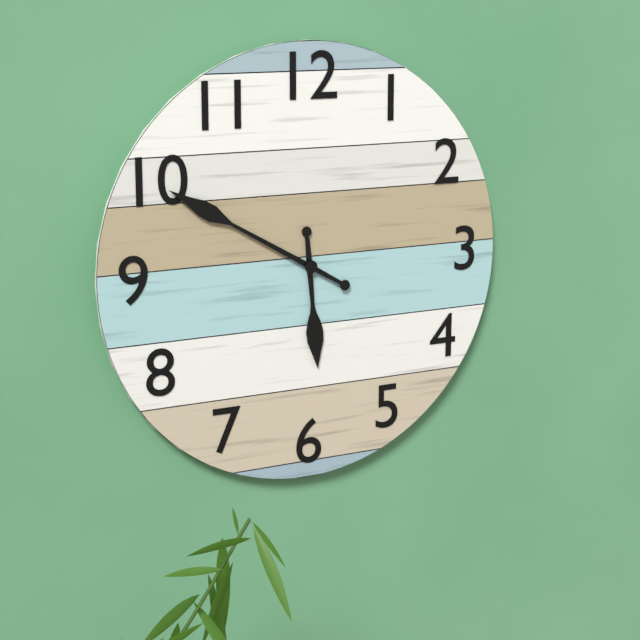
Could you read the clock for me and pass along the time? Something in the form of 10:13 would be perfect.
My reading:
5:50
